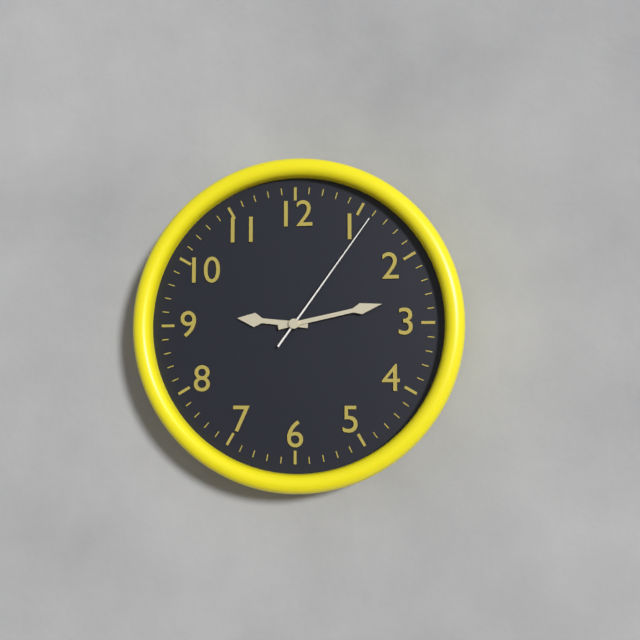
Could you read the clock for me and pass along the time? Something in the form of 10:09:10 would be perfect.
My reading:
9:13:06
